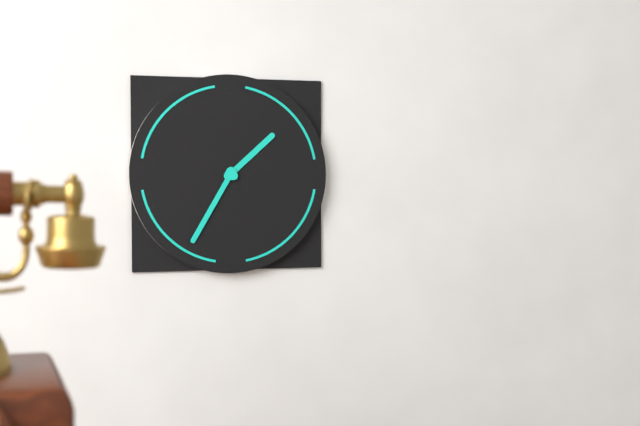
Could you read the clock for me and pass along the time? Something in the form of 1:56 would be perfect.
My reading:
1:35
